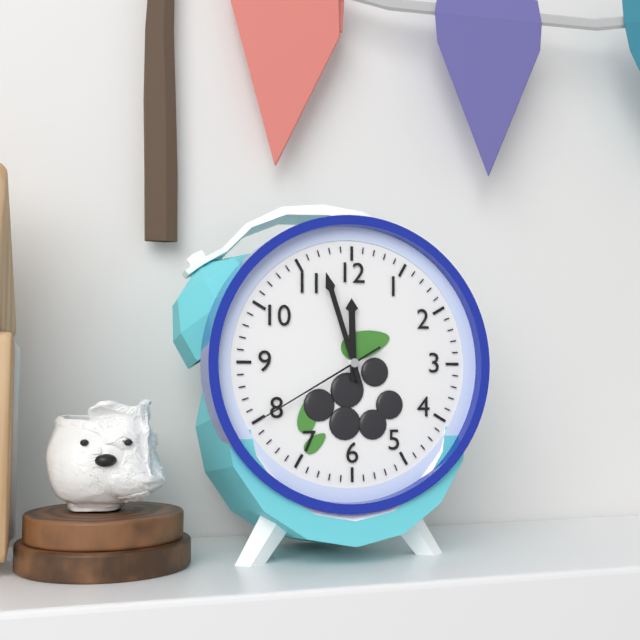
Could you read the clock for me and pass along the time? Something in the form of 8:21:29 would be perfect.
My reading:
11:57:40
